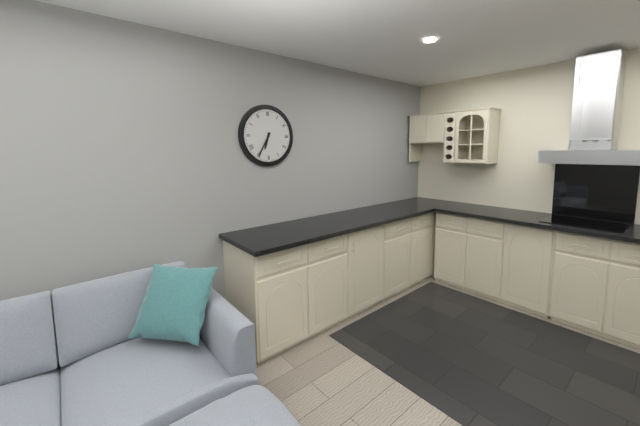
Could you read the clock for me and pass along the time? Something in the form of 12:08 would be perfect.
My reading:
6:35
